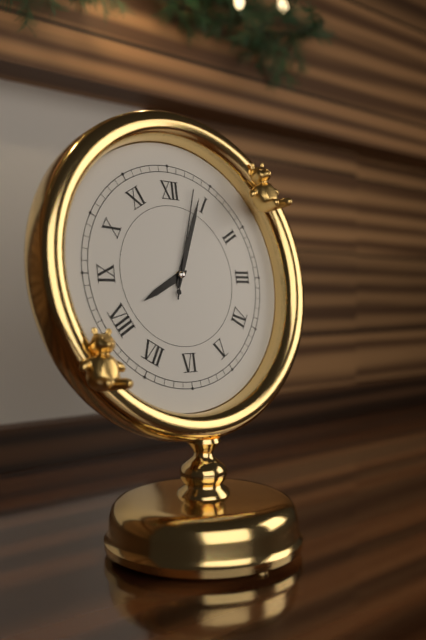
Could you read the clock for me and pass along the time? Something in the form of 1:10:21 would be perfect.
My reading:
8:04:03
